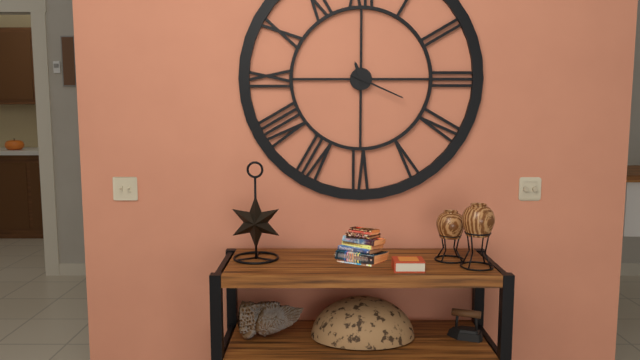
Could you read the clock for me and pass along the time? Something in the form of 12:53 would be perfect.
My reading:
11:19
